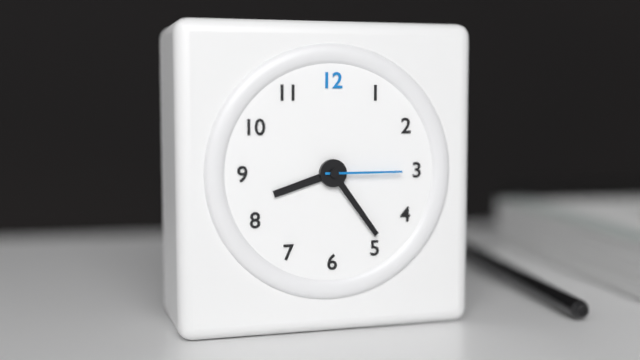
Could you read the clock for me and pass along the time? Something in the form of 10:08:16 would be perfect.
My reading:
8:24:15
